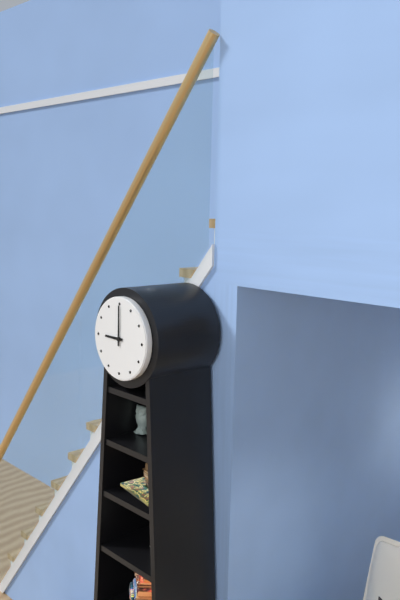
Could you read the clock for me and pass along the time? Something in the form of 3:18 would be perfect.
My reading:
9:00
